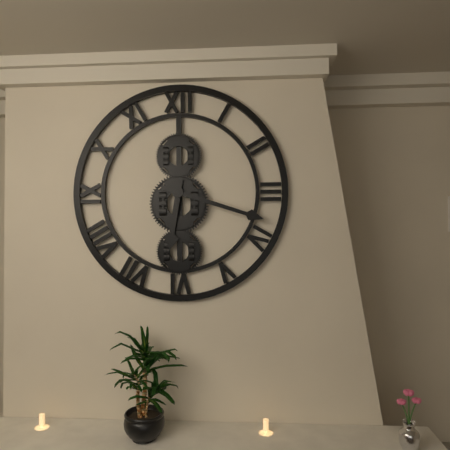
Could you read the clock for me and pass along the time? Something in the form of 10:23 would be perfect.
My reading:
6:18
